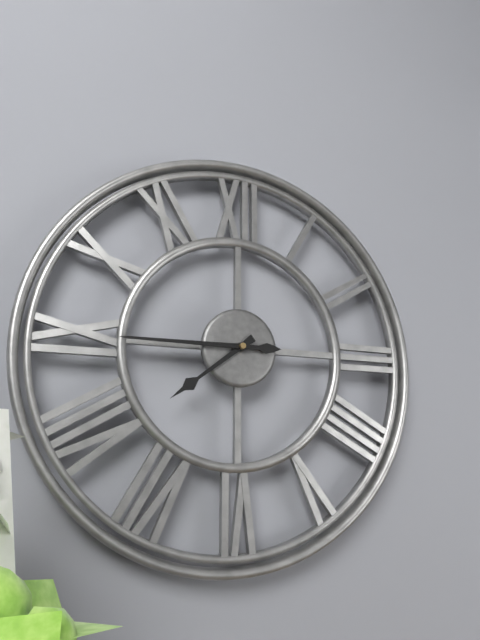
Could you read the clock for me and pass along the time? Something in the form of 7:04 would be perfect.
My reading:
7:45
